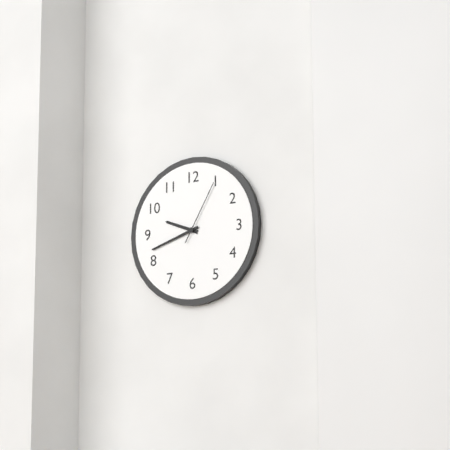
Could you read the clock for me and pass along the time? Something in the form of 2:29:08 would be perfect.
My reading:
9:42:05
